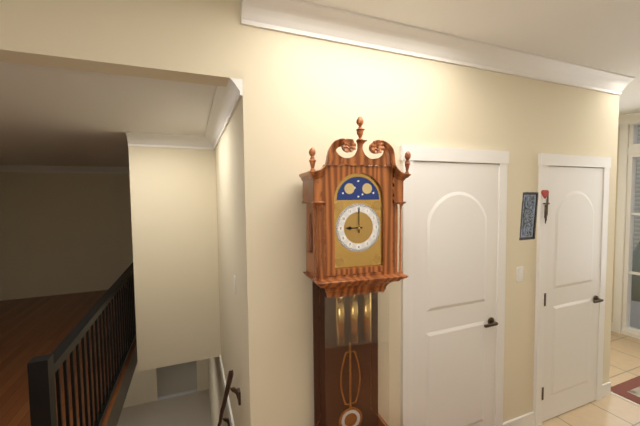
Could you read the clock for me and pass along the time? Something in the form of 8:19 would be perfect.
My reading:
9:00
